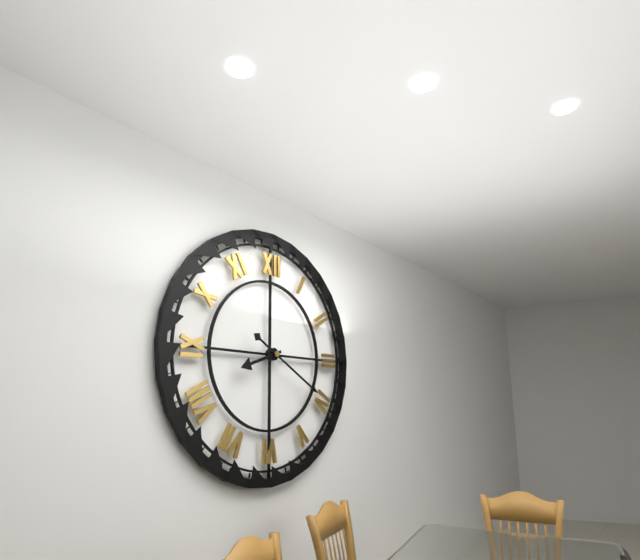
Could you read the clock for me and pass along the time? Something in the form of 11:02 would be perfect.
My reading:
8:20
